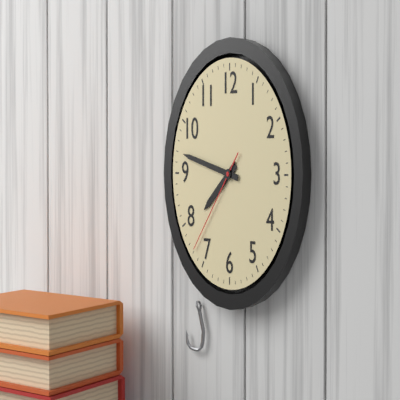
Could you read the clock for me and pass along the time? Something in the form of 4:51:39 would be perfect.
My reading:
7:47:37
